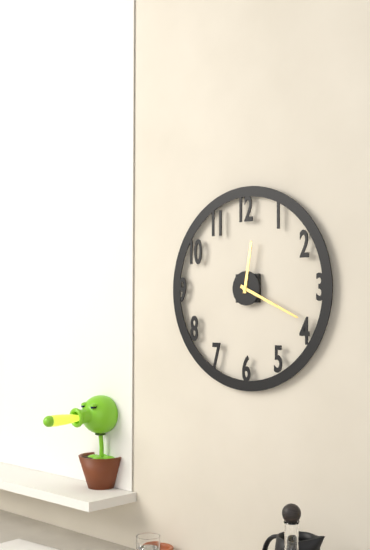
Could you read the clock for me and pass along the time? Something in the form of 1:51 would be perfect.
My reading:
12:19
